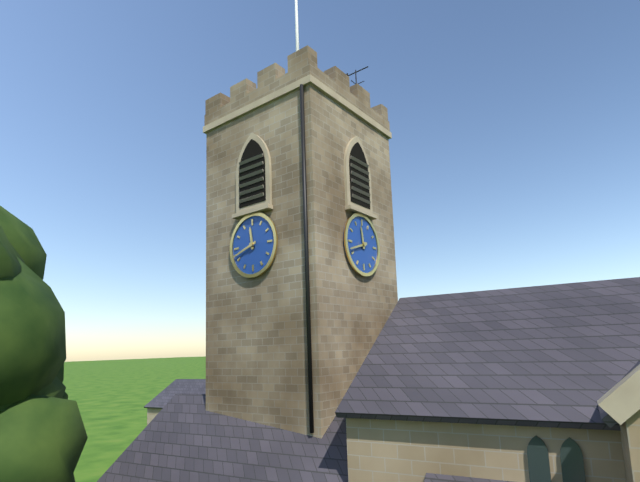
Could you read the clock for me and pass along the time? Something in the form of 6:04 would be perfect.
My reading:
11:42
